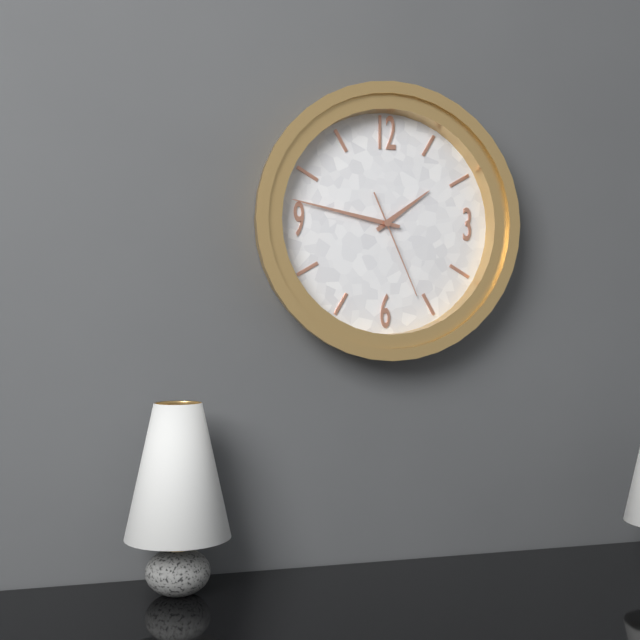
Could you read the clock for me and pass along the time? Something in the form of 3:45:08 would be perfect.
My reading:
1:47:26
